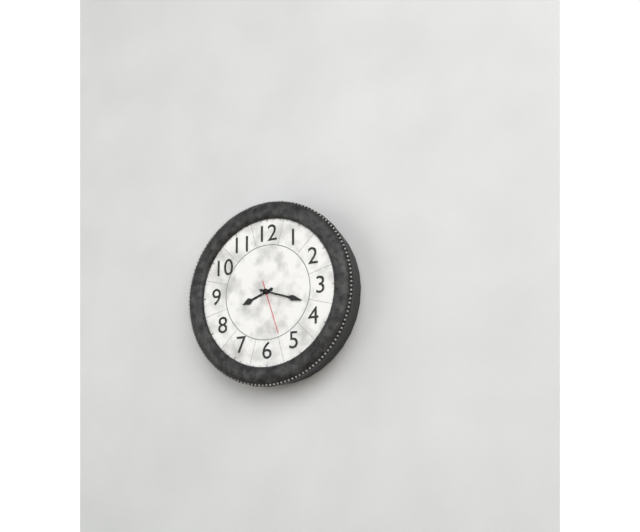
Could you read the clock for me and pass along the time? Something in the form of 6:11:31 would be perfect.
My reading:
8:18:27
